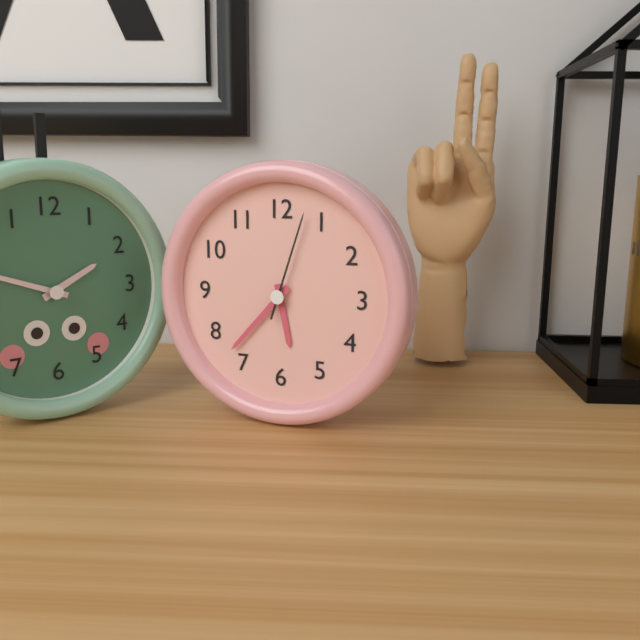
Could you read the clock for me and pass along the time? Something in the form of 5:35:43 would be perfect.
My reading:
5:37:03
